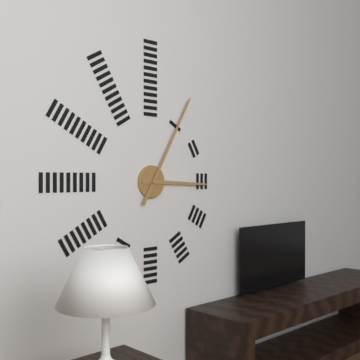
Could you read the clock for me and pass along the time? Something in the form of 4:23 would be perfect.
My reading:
3:05
